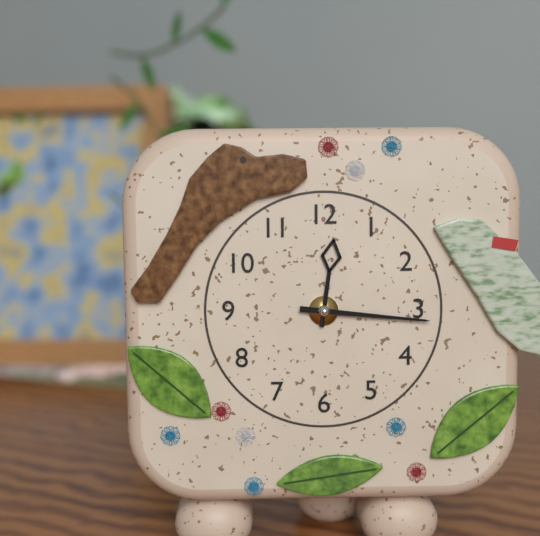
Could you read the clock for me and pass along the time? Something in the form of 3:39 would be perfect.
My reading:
12:16
